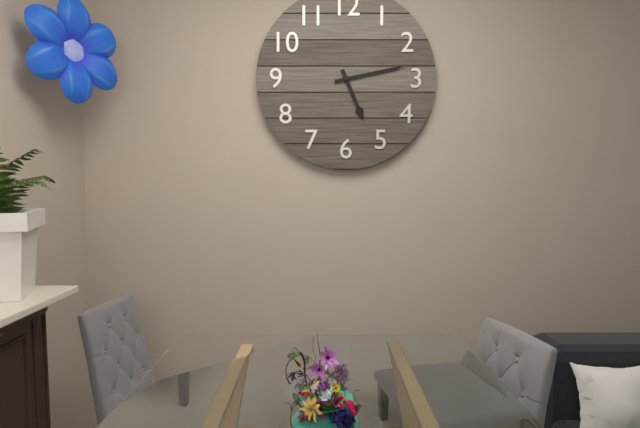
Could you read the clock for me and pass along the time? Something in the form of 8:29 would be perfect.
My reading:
5:13
